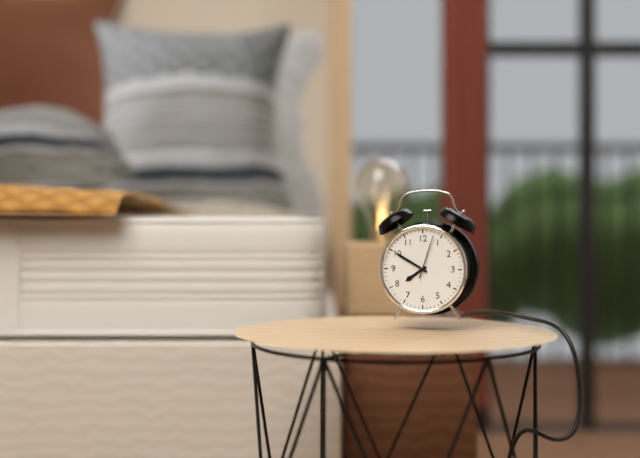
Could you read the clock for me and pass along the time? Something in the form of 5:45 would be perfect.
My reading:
7:50
